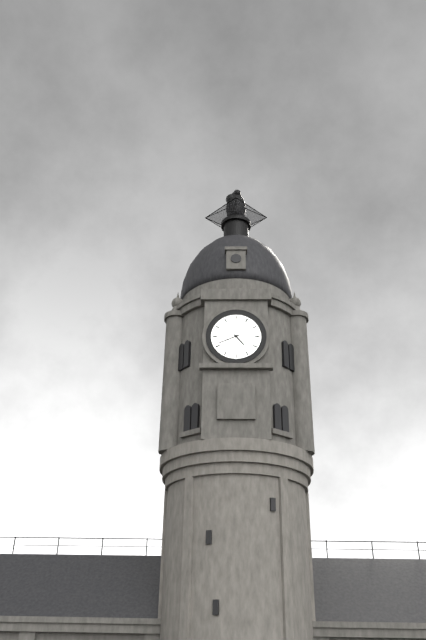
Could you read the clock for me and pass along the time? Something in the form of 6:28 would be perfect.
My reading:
4:41
